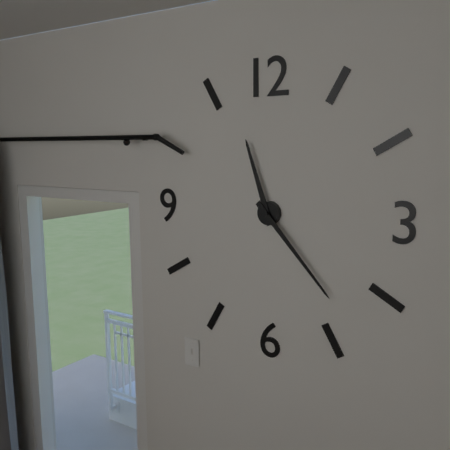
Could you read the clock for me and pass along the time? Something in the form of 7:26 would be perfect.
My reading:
11:23
